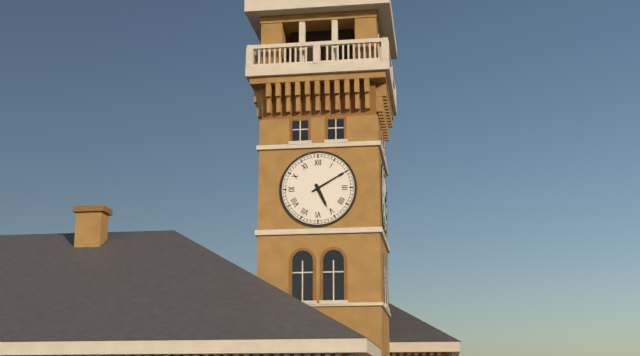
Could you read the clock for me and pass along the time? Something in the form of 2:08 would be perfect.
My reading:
5:10
